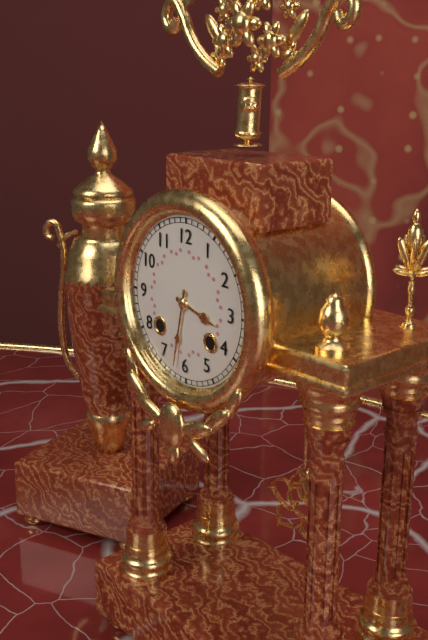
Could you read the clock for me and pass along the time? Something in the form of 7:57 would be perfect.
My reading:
3:32
